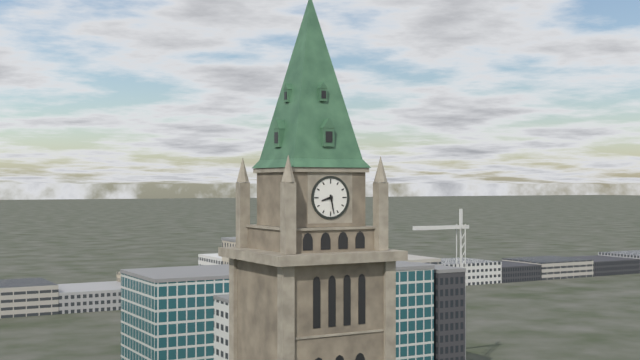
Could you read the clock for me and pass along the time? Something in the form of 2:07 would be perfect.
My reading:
8:28
